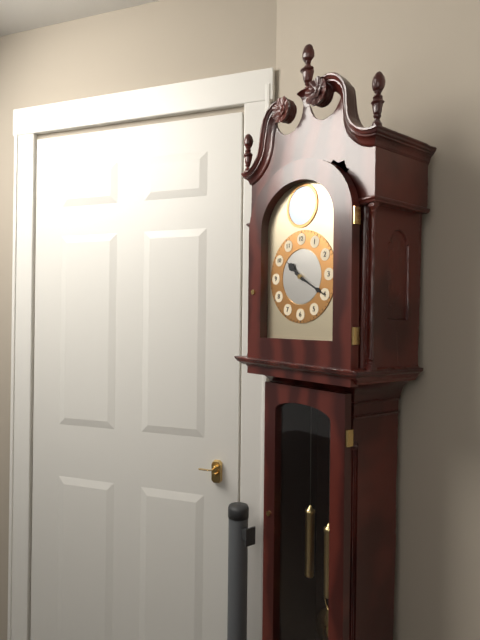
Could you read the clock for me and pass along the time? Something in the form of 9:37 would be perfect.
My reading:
10:20
